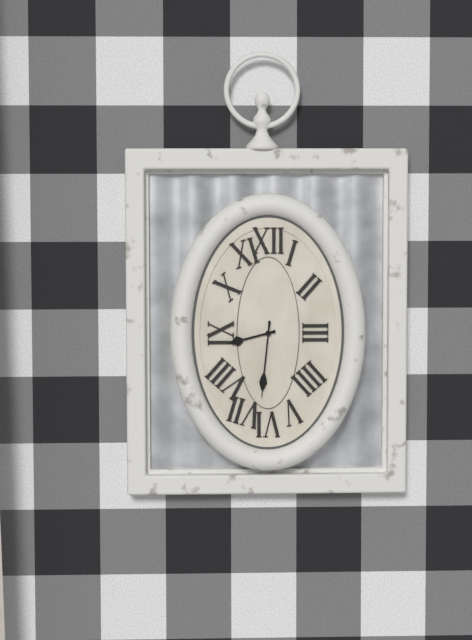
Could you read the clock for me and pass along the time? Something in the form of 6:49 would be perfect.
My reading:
8:31
